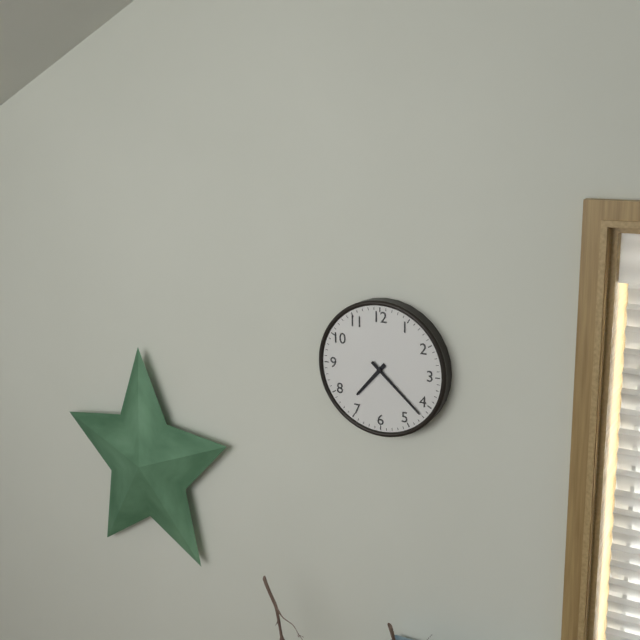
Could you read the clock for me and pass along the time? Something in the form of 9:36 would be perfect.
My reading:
7:22
